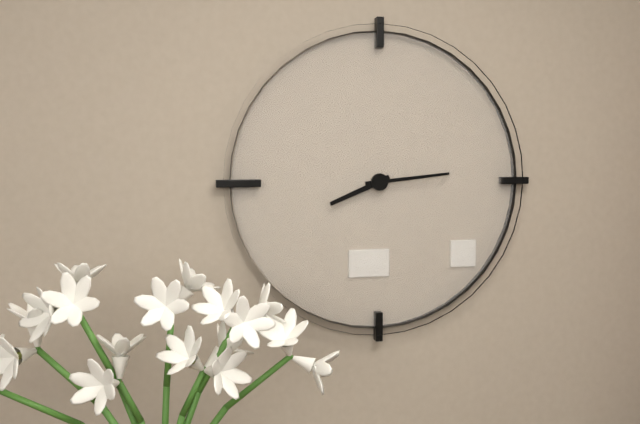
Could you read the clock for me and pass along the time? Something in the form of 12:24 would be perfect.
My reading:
8:14
